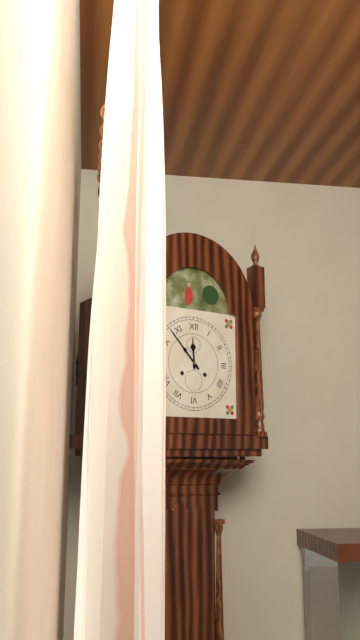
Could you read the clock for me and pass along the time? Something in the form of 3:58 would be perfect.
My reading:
11:53
